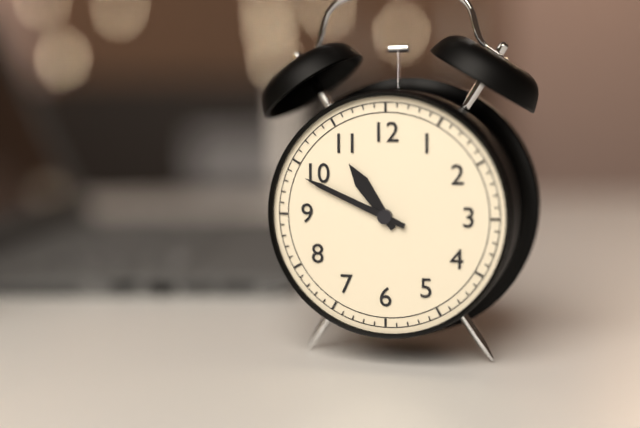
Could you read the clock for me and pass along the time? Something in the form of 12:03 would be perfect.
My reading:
10:49
